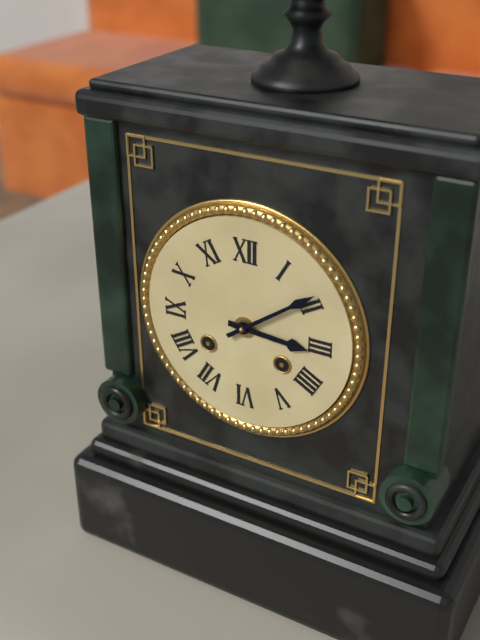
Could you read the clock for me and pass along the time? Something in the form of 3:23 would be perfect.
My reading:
3:09
